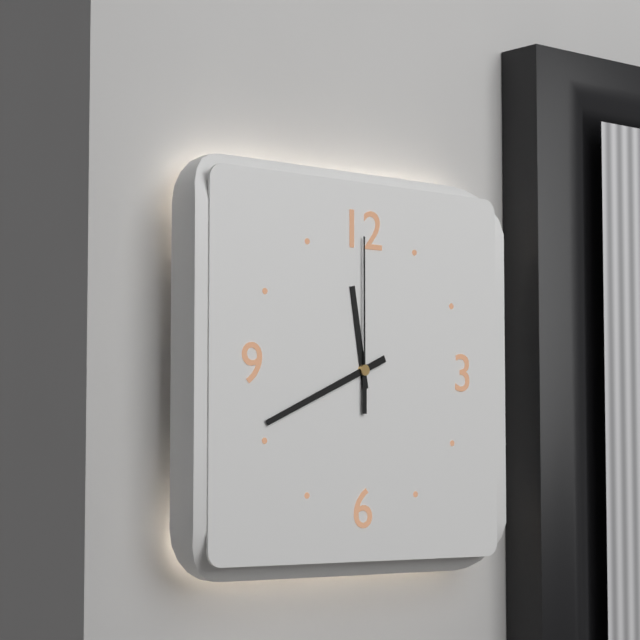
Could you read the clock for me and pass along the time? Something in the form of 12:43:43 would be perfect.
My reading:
11:41:00
